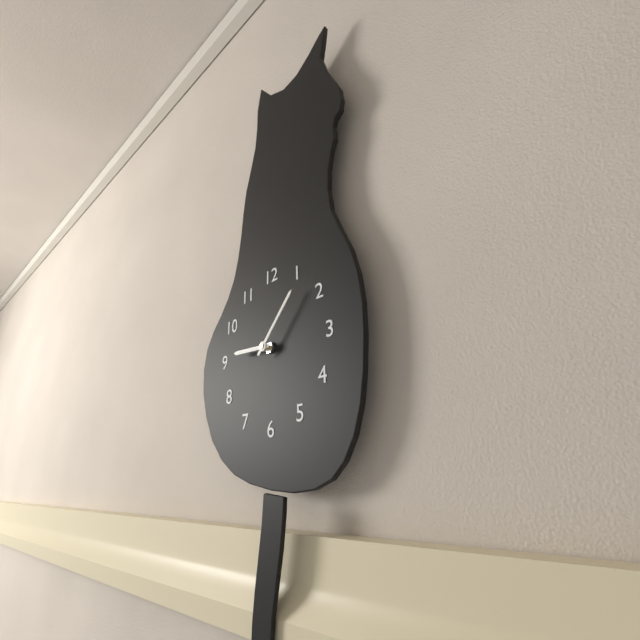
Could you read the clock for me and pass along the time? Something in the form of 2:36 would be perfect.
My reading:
9:07
